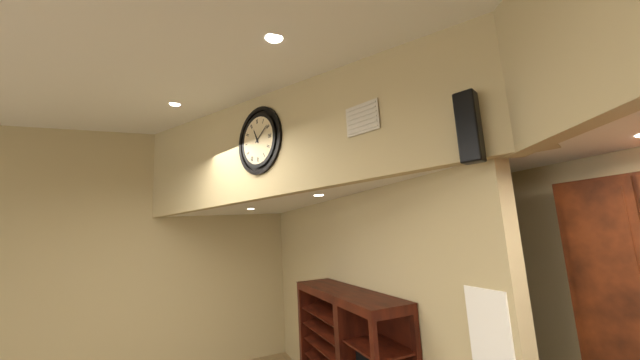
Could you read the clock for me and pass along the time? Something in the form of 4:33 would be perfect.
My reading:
11:09
